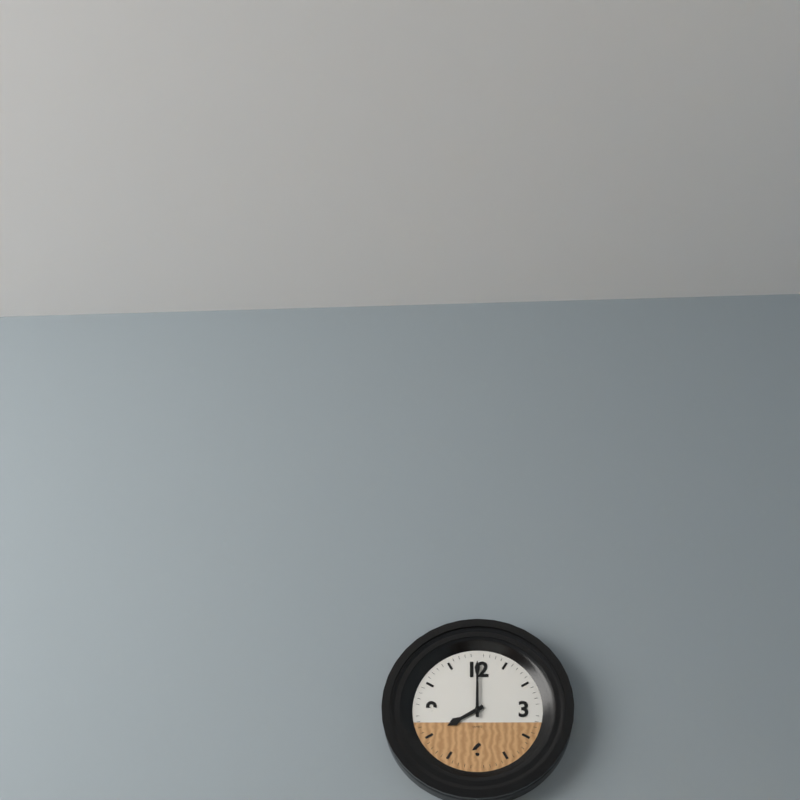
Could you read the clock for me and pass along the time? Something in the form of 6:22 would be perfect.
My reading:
8:00
